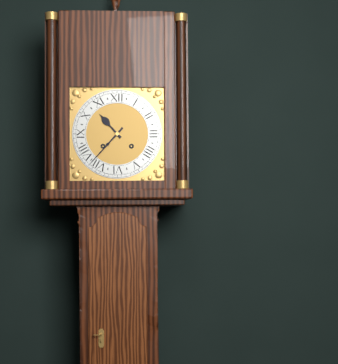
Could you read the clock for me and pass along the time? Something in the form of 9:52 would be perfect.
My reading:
10:37
